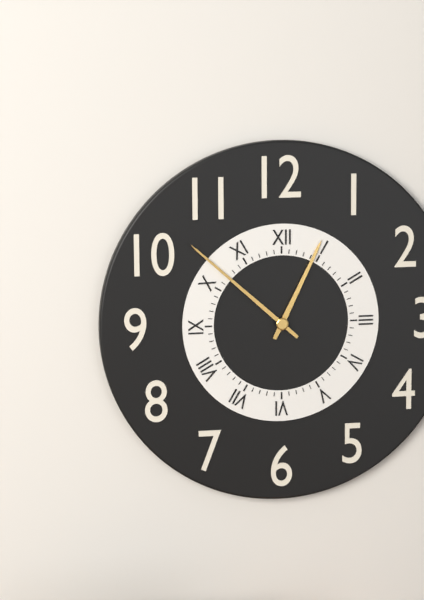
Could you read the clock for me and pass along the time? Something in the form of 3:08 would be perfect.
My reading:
12:52
